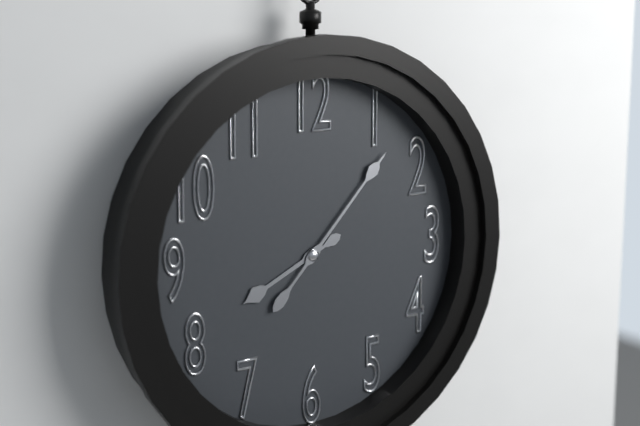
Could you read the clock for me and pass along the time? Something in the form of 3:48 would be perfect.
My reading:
8:07
